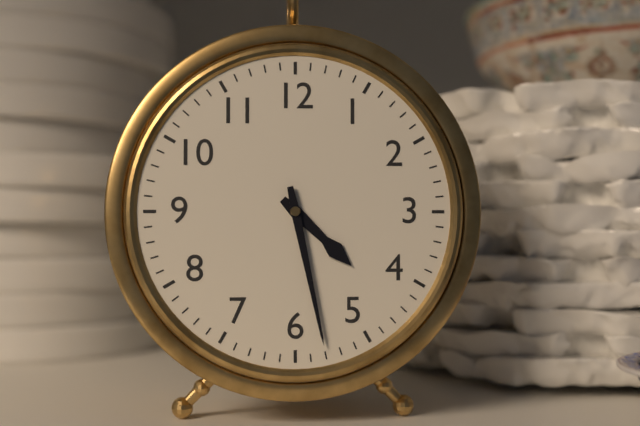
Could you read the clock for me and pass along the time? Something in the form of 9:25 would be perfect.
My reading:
4:28
